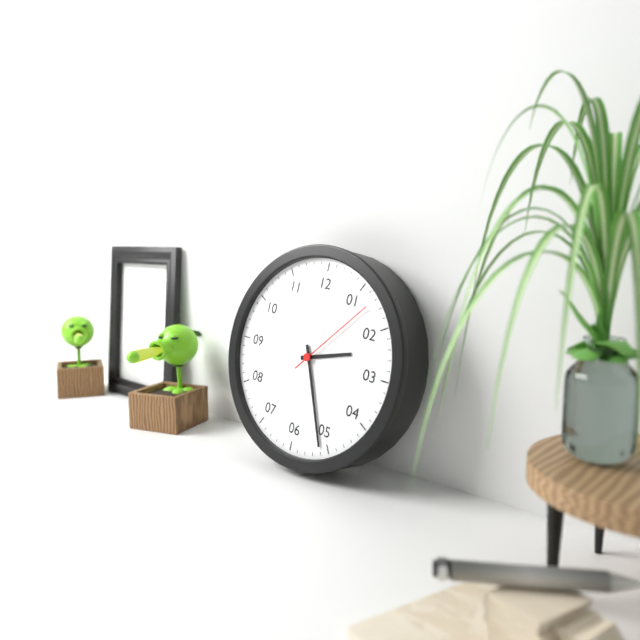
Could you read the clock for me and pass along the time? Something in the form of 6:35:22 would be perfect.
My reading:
2:26:07
